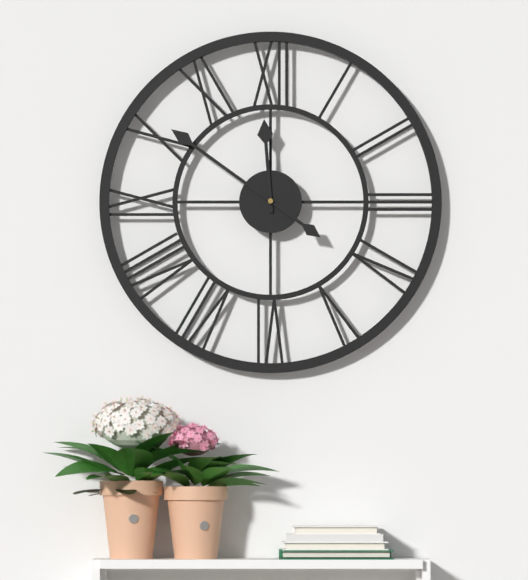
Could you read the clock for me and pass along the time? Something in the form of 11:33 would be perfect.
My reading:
11:51
